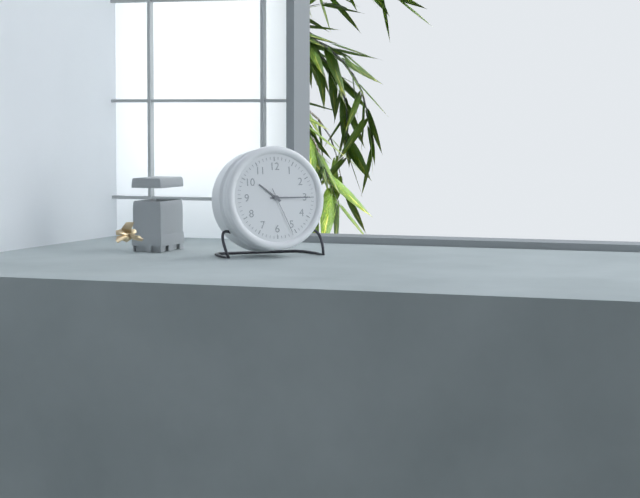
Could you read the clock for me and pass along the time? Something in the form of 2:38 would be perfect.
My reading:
10:15
